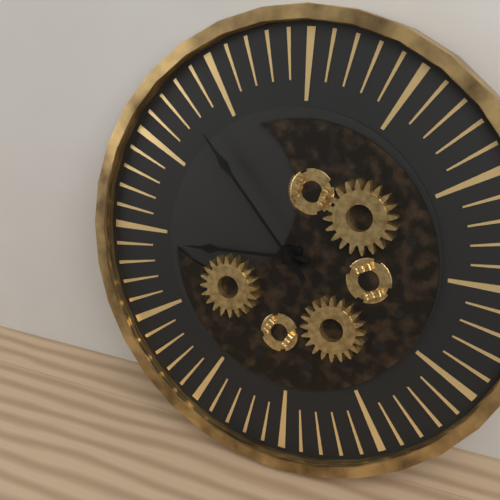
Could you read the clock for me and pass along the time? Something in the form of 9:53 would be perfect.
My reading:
8:53
